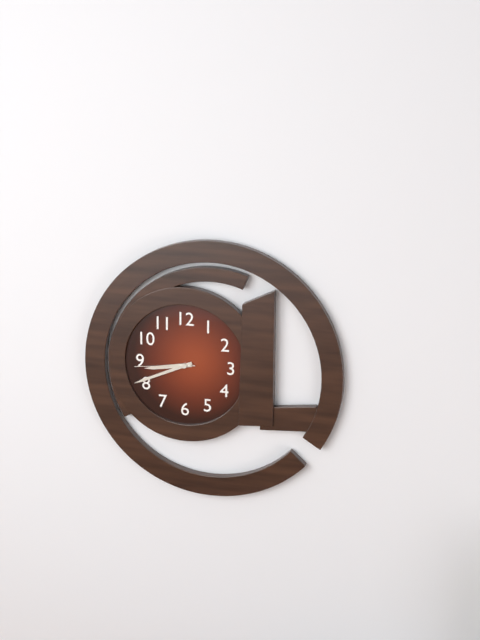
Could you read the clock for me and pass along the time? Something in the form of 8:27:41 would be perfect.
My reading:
8:41:44
